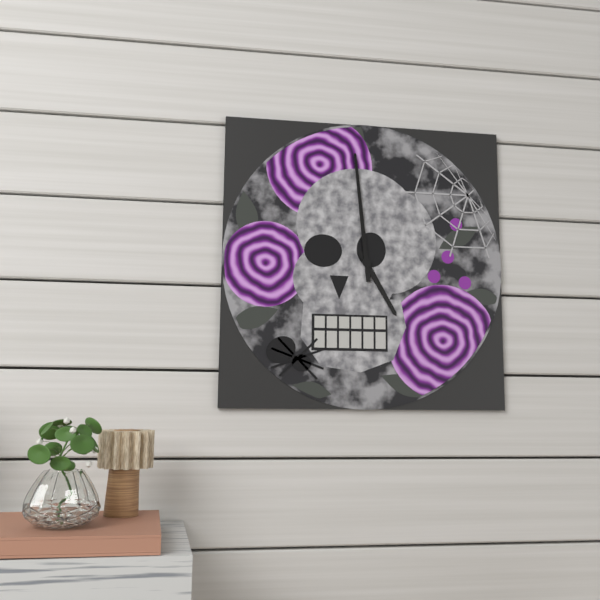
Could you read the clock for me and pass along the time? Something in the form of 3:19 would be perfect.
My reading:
4:59
